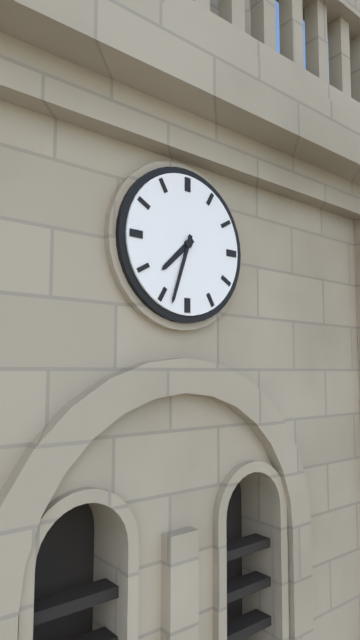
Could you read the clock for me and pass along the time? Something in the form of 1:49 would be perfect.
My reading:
7:33
